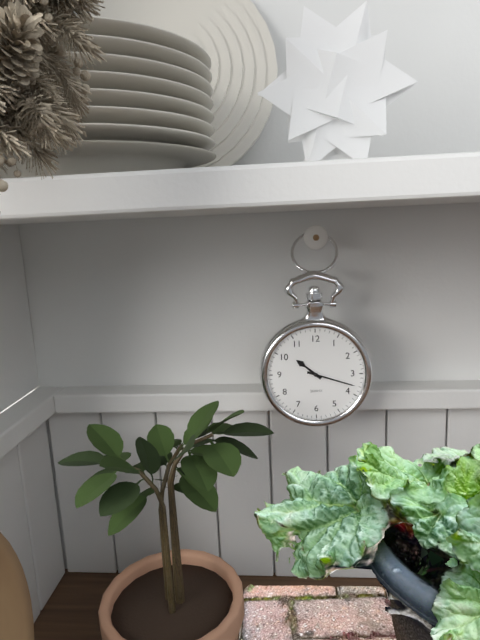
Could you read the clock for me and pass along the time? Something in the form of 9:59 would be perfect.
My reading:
10:18
